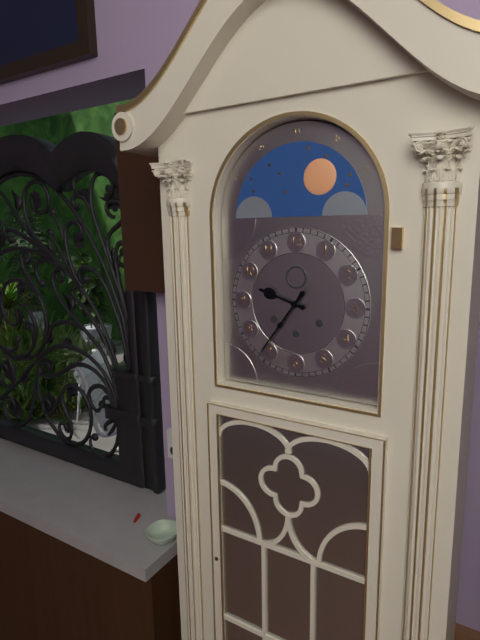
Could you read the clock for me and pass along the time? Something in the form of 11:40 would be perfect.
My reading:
9:36
